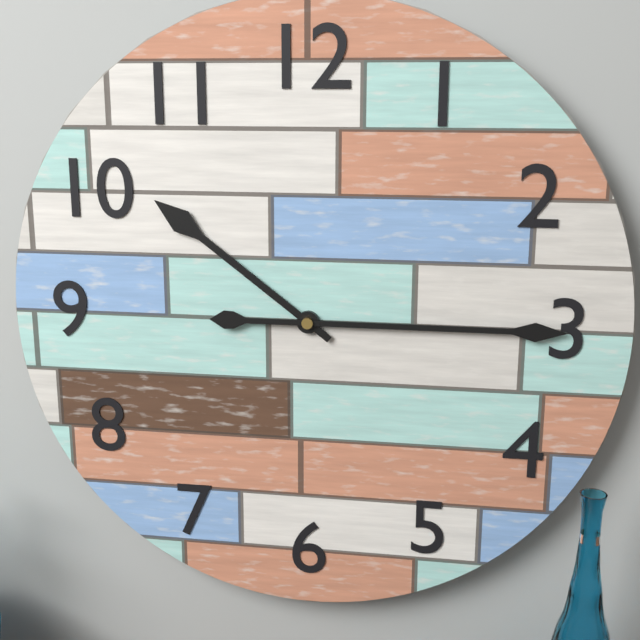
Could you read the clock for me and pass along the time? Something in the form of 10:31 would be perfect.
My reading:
10:15
